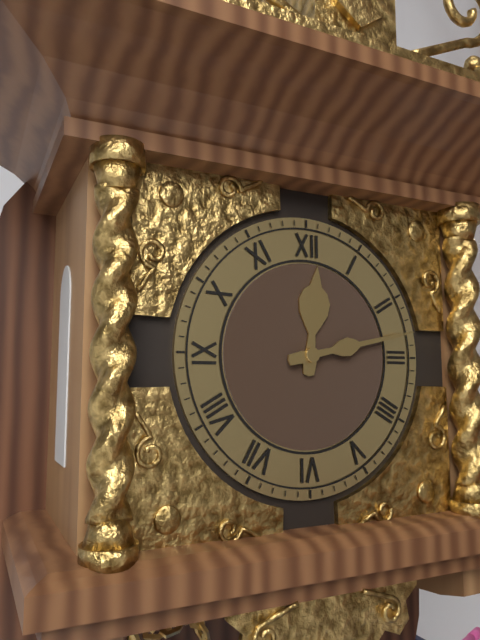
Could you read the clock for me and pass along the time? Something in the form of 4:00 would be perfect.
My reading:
12:13
